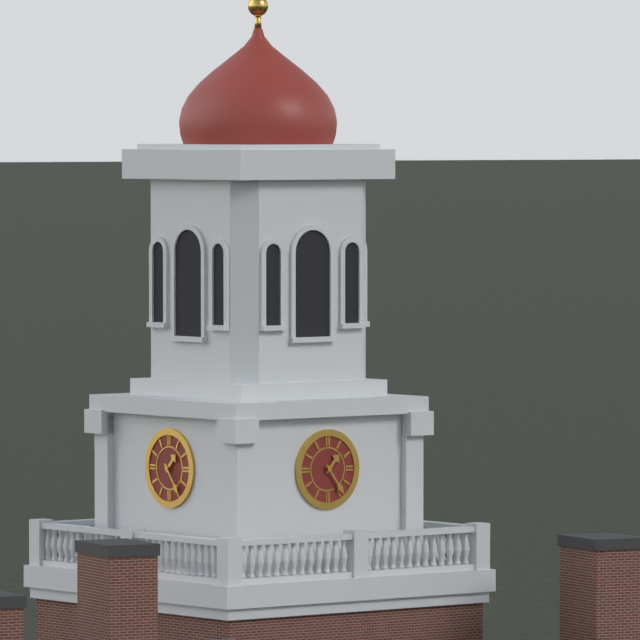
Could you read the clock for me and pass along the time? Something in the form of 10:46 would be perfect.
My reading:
1:24
